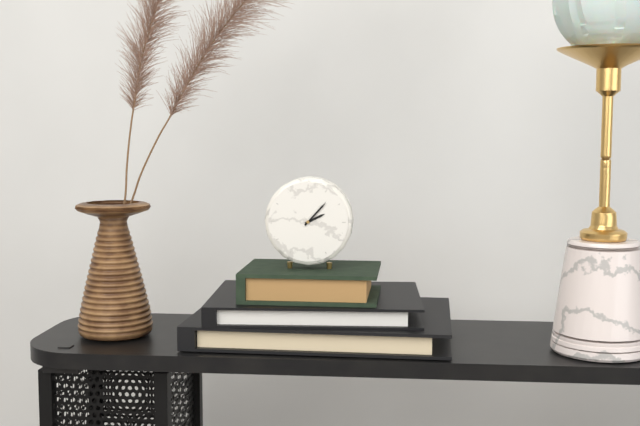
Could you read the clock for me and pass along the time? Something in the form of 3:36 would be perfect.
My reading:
2:07
